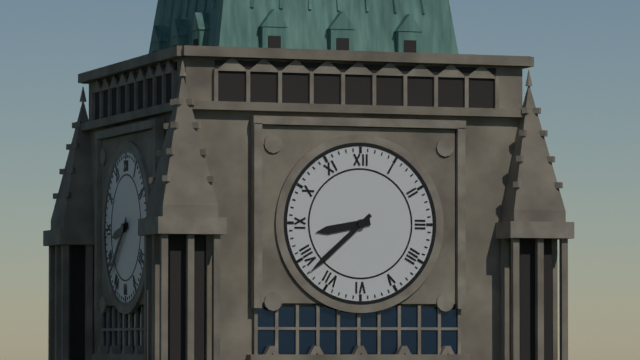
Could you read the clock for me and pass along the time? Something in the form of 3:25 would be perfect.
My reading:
8:38
